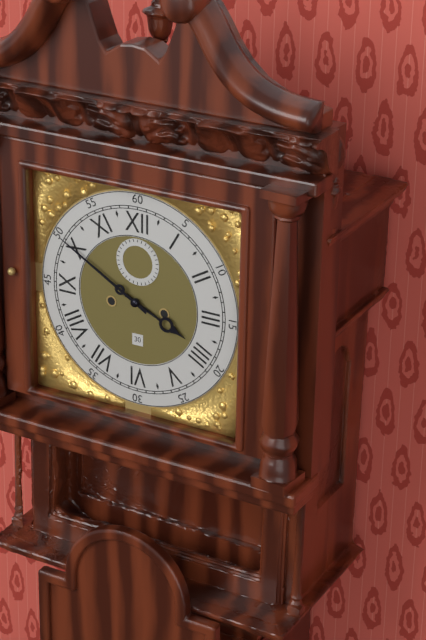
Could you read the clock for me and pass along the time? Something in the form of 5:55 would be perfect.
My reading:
3:50
